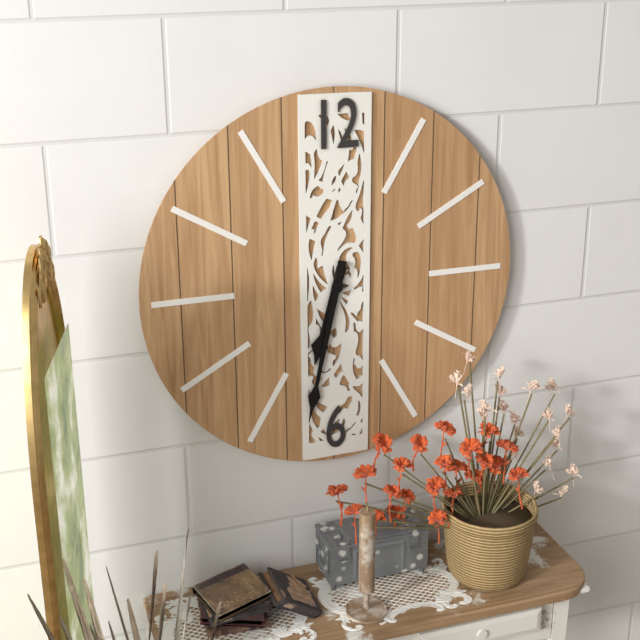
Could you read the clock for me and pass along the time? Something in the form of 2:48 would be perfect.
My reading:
6:32
